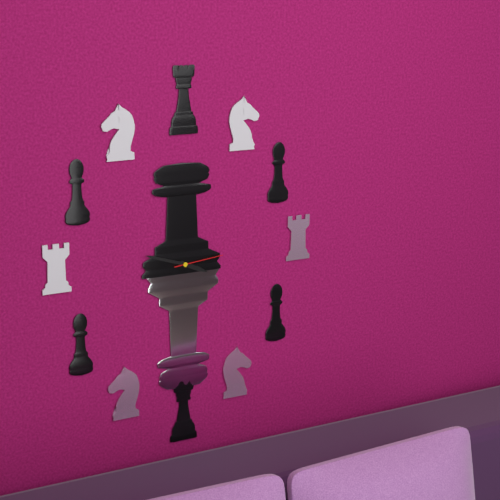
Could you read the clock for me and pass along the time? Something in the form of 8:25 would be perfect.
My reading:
3:48
